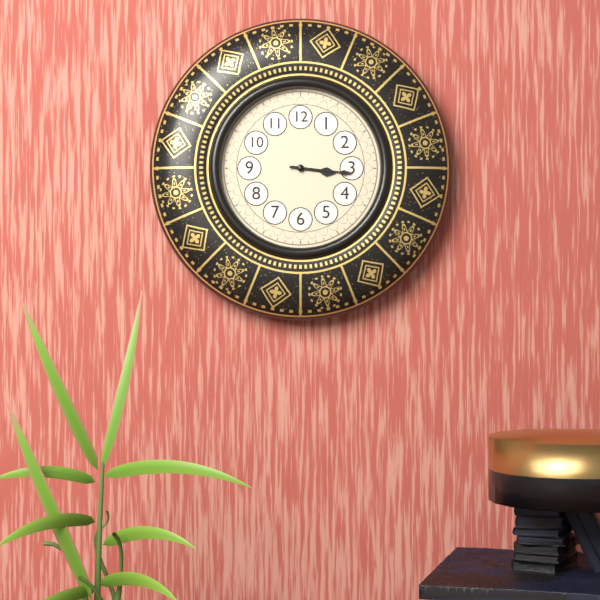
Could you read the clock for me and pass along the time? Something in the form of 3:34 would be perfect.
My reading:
3:16
